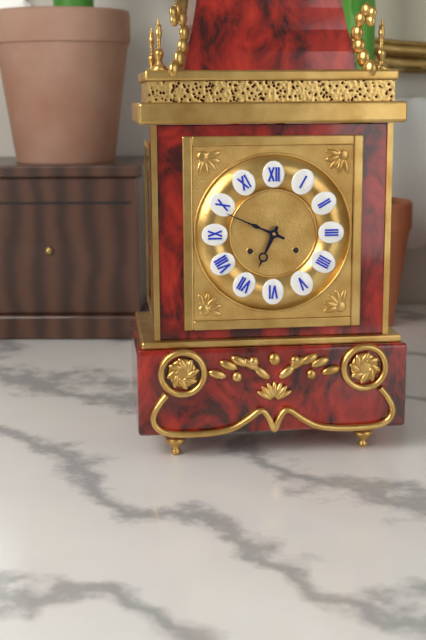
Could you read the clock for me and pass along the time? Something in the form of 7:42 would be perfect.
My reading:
6:49
